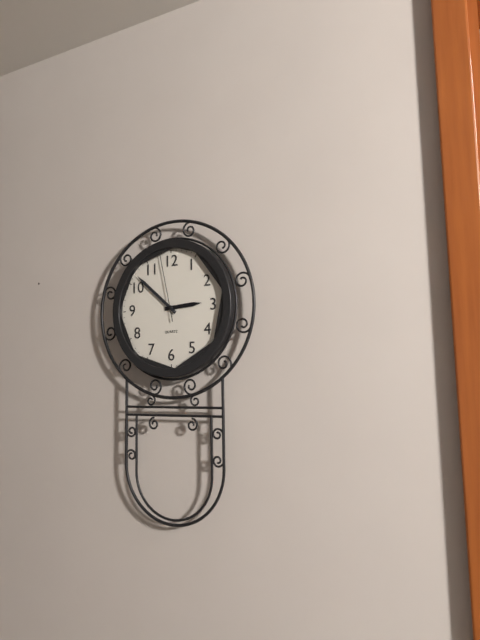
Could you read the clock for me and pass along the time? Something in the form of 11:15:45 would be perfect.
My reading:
2:52:58
